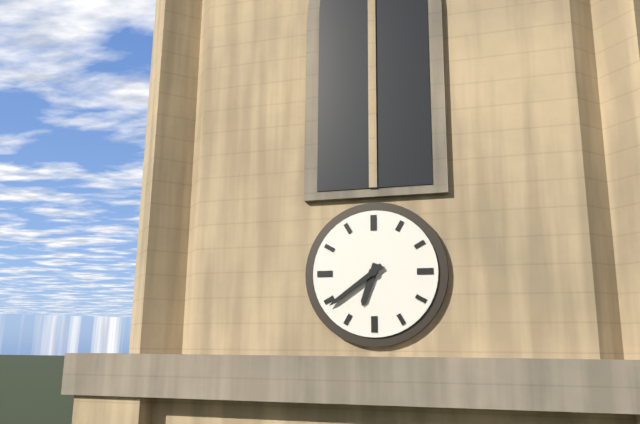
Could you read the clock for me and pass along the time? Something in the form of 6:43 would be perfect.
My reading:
6:39
